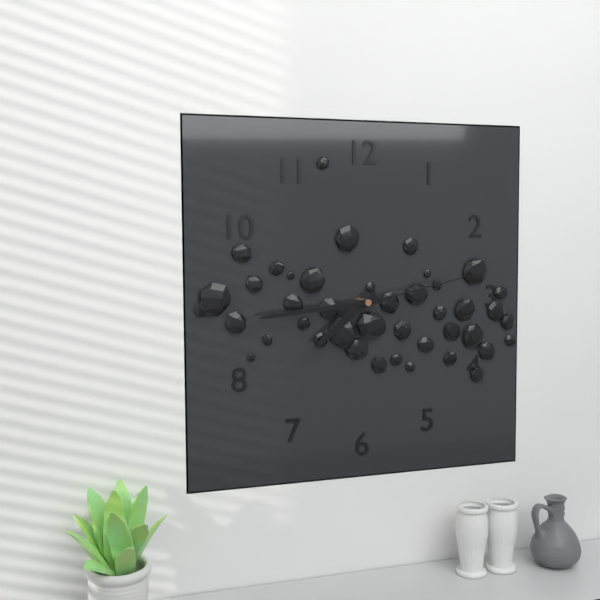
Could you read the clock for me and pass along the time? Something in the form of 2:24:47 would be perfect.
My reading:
7:44:13
